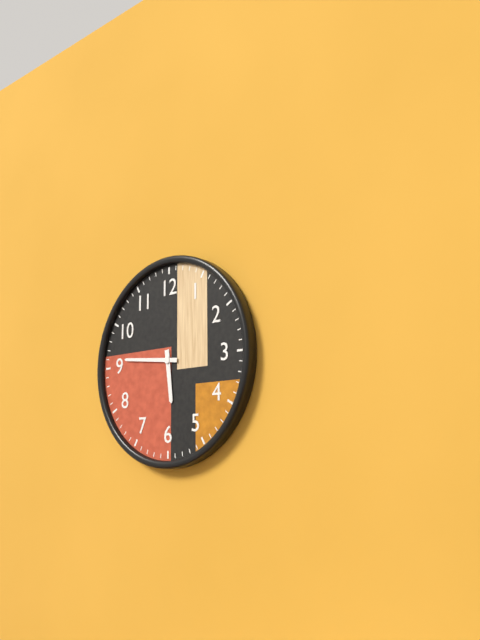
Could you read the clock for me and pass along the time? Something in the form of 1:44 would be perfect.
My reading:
5:46
